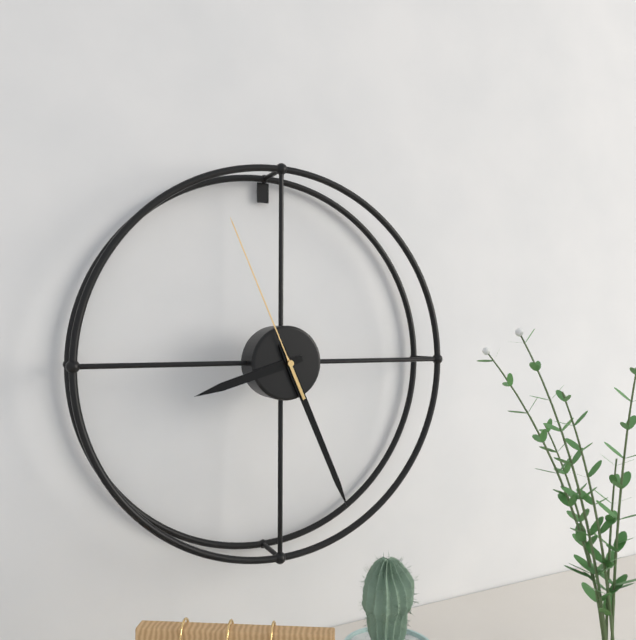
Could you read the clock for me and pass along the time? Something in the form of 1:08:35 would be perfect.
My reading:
8:26:56
